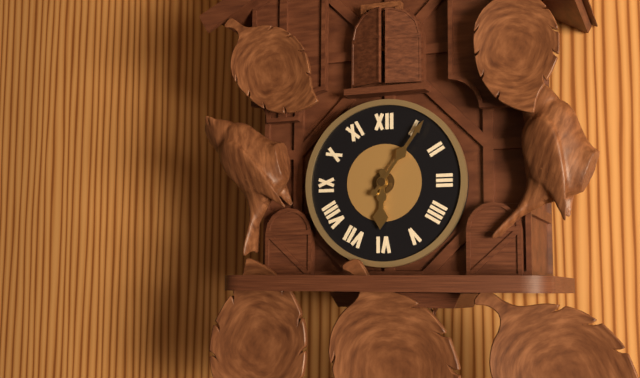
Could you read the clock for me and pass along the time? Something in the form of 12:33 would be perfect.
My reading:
6:06
